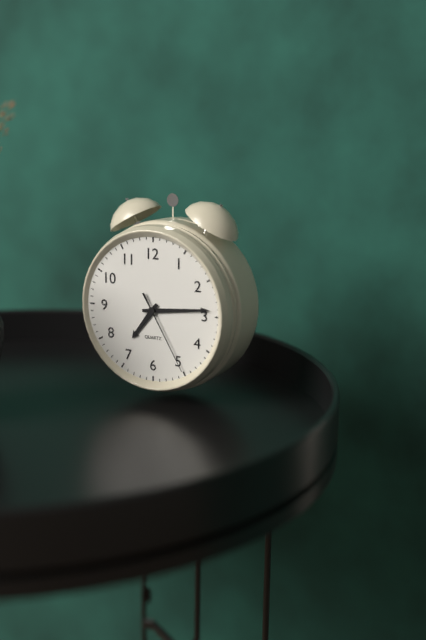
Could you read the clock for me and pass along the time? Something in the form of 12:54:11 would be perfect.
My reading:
7:14:25
